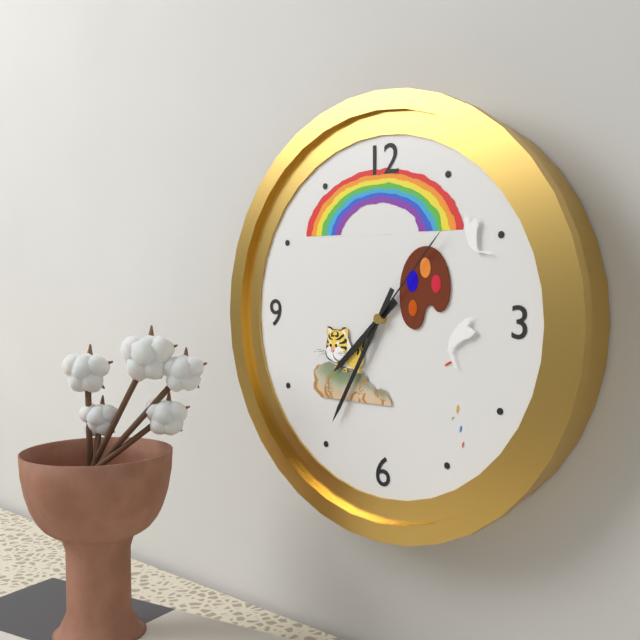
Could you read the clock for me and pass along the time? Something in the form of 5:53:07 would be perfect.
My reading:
7:35:07
